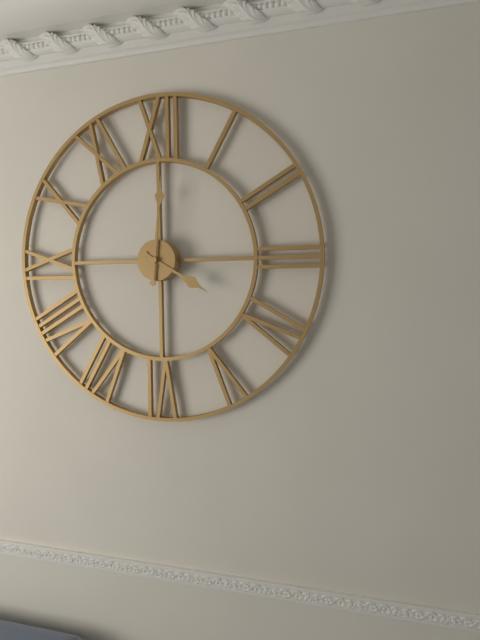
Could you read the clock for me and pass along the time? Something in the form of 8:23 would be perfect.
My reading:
4:01
